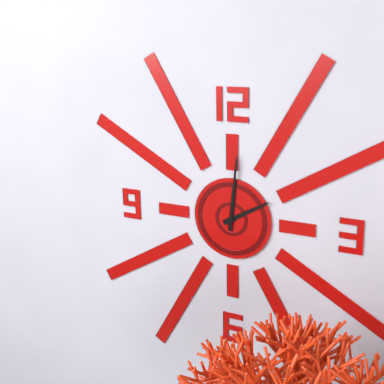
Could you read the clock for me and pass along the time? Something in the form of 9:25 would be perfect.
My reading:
2:01
